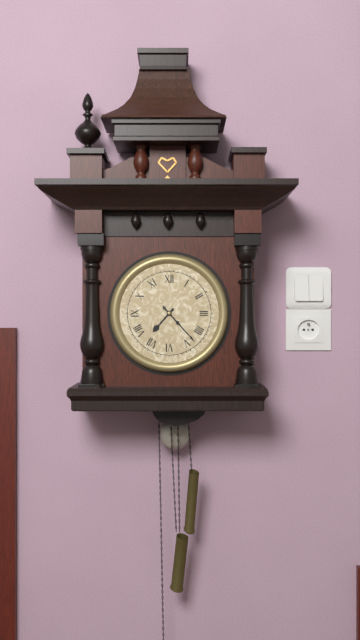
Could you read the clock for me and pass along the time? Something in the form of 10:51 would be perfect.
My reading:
7:23
